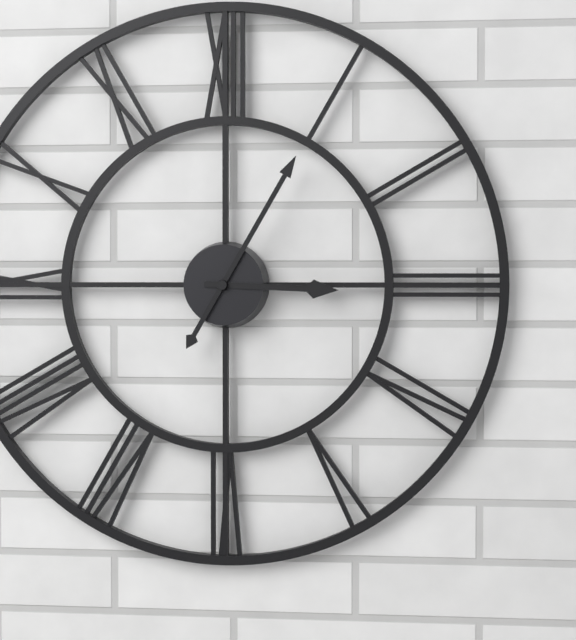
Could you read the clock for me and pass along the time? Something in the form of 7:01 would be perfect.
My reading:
3:05
